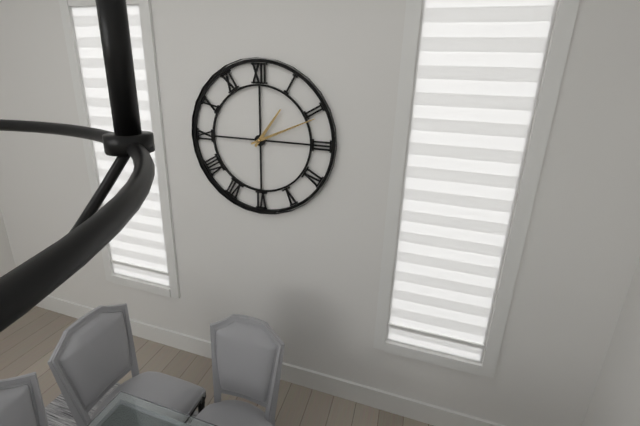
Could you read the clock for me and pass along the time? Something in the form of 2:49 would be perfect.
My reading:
1:11
